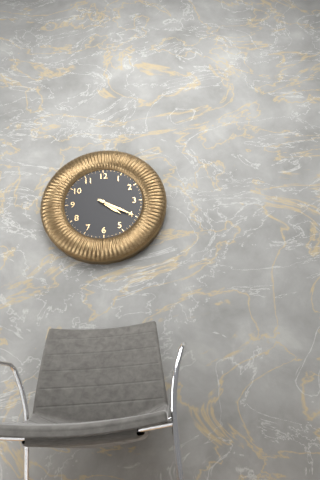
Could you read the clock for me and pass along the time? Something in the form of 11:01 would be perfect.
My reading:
4:20
